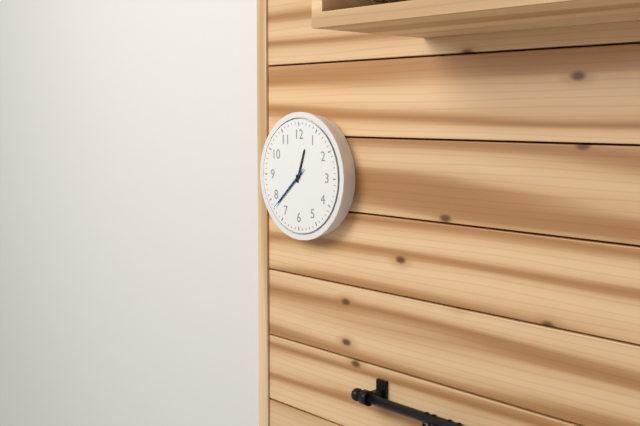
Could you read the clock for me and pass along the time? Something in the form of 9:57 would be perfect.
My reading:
12:38
